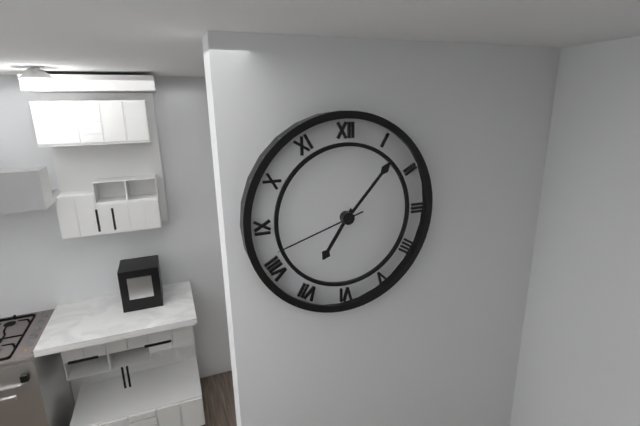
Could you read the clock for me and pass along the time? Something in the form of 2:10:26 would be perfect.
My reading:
7:07:42
